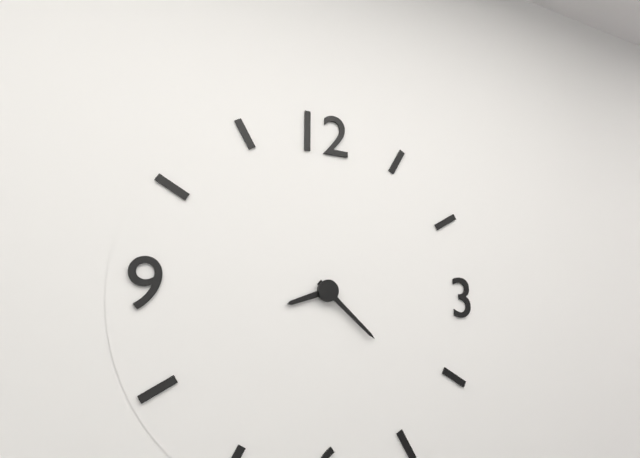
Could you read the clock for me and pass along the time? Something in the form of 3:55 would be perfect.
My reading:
8:22
